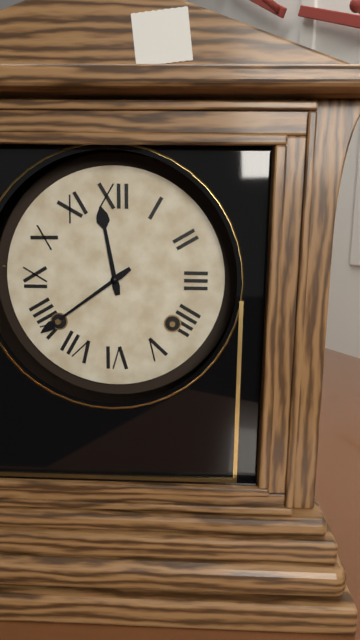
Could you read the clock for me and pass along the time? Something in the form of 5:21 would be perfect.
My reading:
11:39
